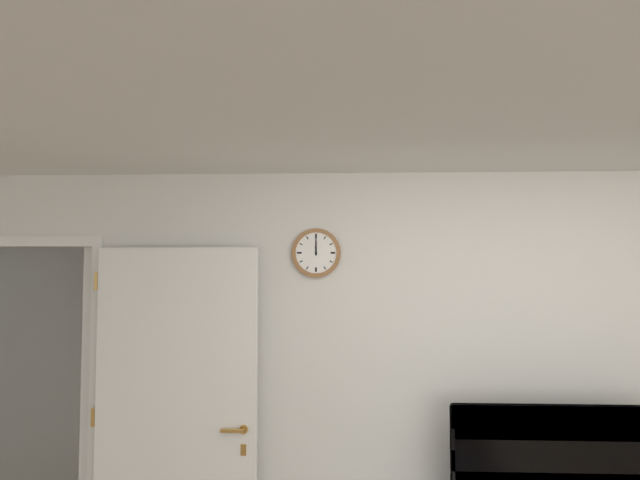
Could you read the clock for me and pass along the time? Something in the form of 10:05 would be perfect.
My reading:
12:00
